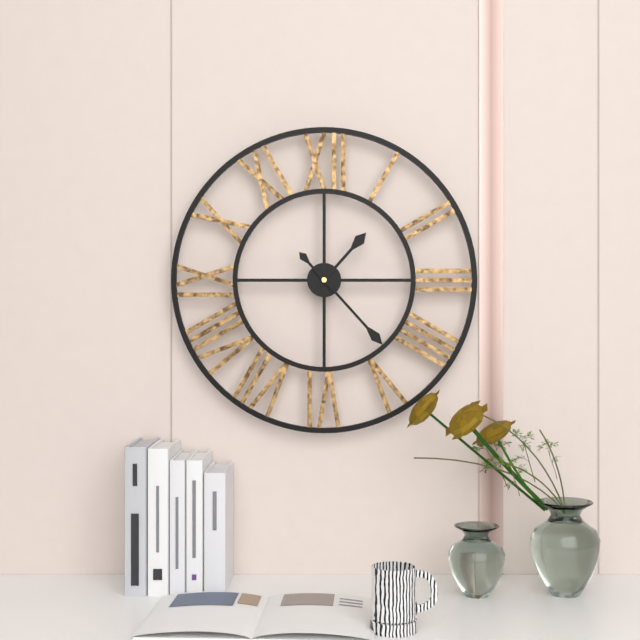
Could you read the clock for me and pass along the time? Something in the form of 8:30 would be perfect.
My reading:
1:23
